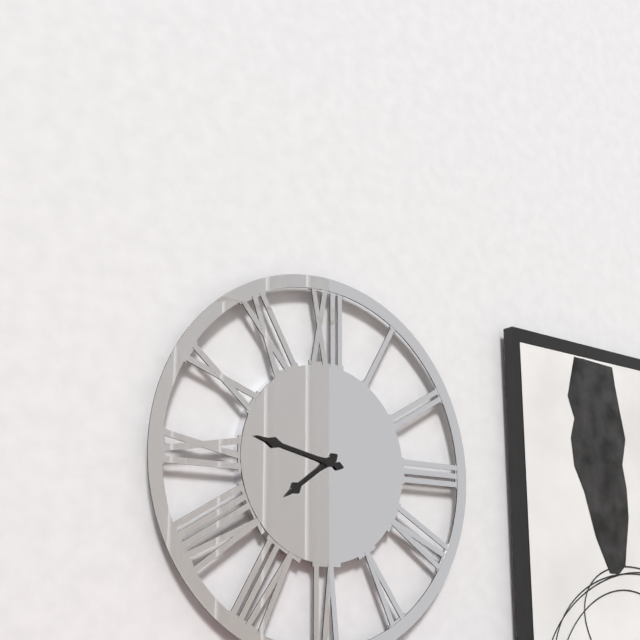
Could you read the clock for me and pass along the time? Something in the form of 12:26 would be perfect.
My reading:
7:47
